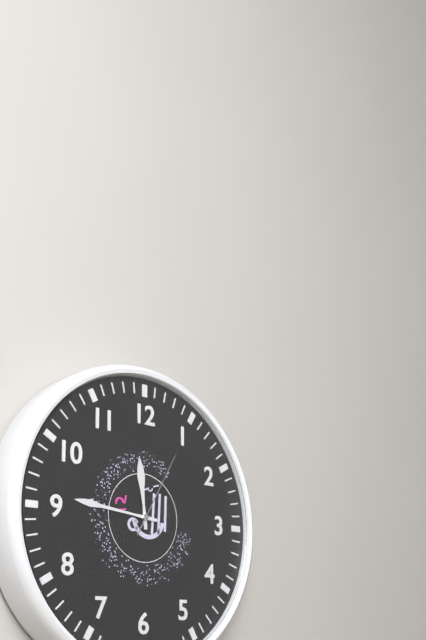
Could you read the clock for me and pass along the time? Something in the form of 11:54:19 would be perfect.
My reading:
11:46:05
